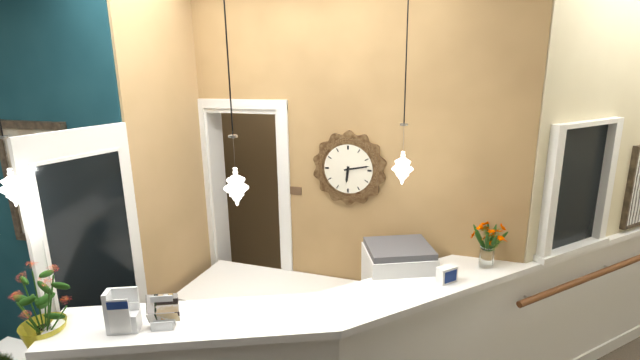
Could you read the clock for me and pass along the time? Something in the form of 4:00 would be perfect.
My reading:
6:13
